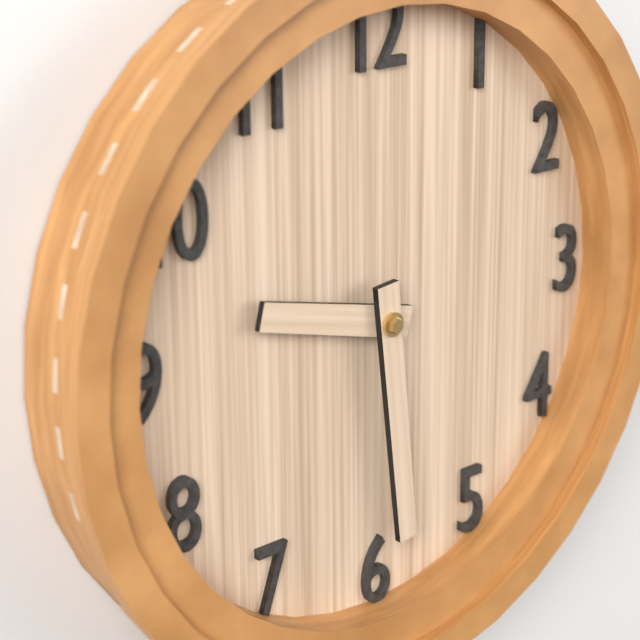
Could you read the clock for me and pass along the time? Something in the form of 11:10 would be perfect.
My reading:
9:29
